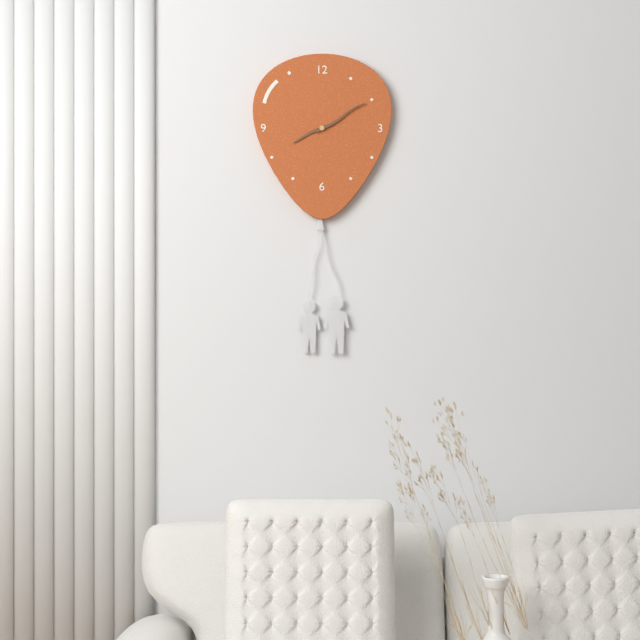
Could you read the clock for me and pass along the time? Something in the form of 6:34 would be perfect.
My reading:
8:10
